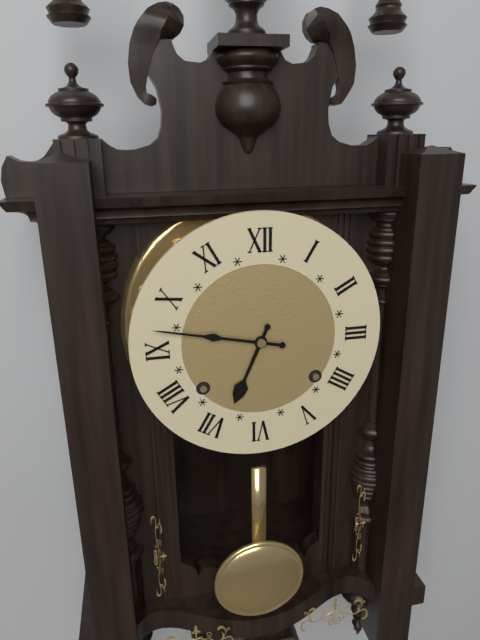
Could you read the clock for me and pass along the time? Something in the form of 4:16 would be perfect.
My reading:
6:47
